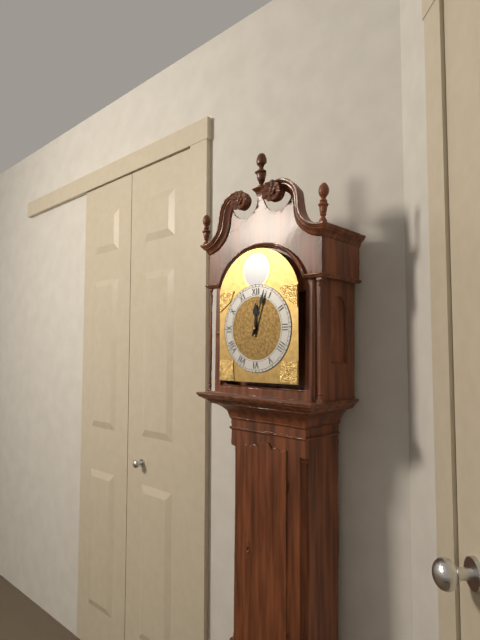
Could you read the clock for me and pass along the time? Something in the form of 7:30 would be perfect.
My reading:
12:03
